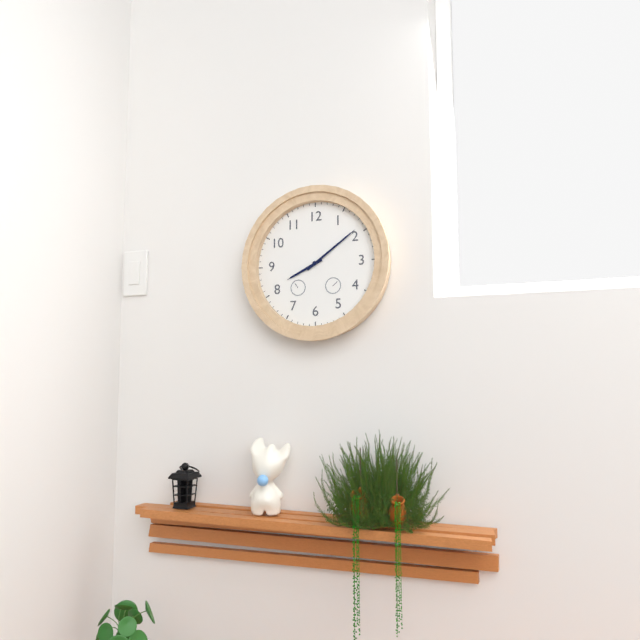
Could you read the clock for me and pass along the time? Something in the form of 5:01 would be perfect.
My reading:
8:09
